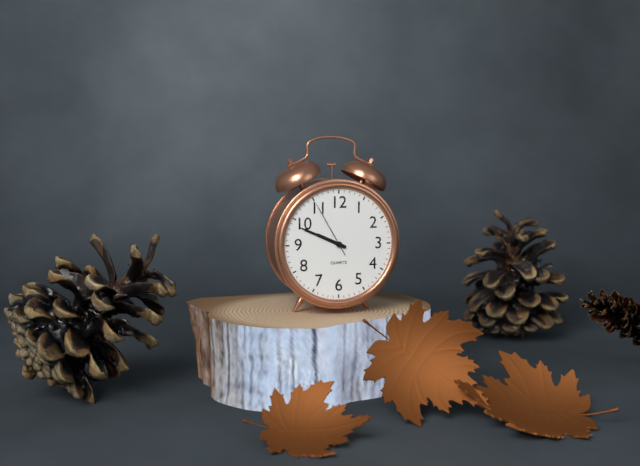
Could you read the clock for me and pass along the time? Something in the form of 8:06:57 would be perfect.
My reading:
9:49:55
